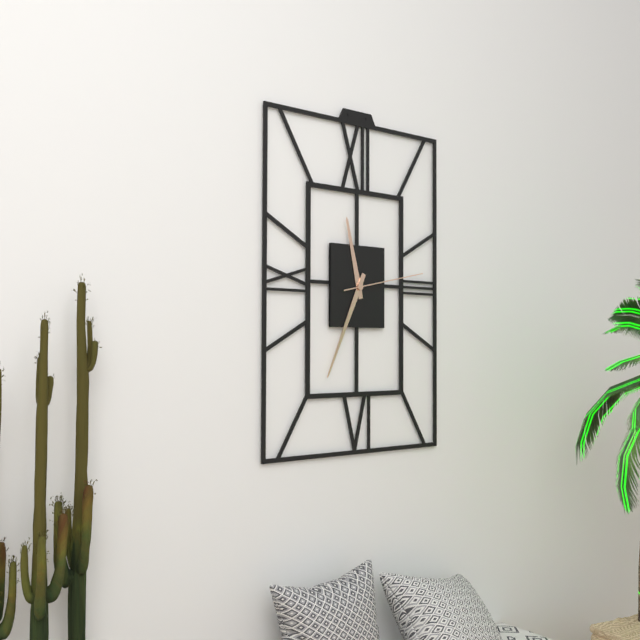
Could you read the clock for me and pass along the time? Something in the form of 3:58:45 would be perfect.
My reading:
11:34:13
